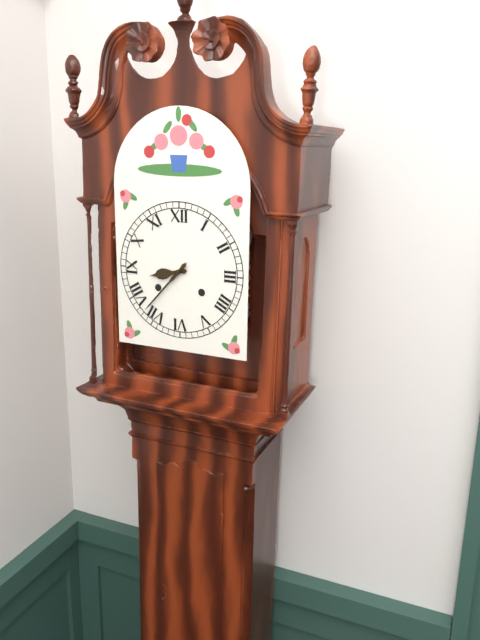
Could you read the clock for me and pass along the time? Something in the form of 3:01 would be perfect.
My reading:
8:37
